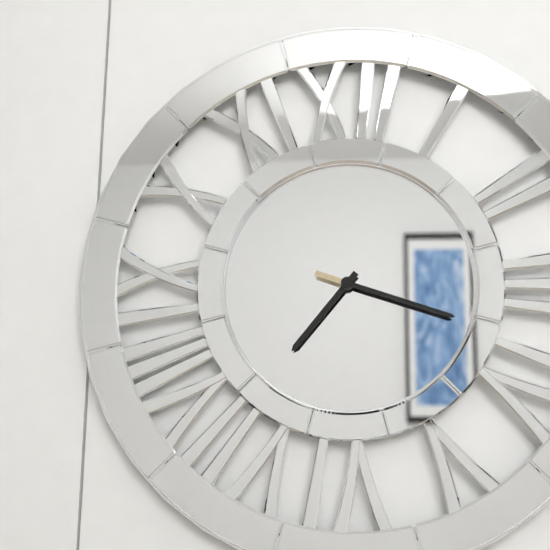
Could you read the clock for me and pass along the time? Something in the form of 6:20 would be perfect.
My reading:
7:18
